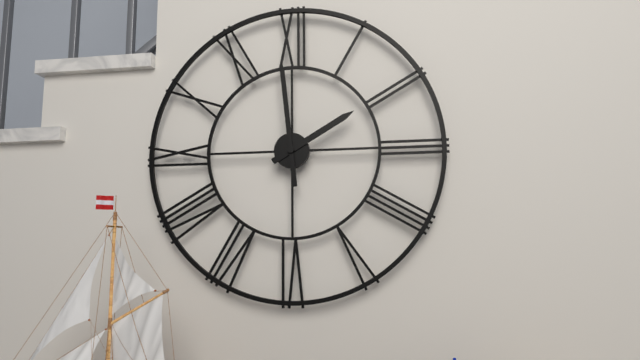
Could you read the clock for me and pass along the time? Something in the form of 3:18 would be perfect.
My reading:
1:59
